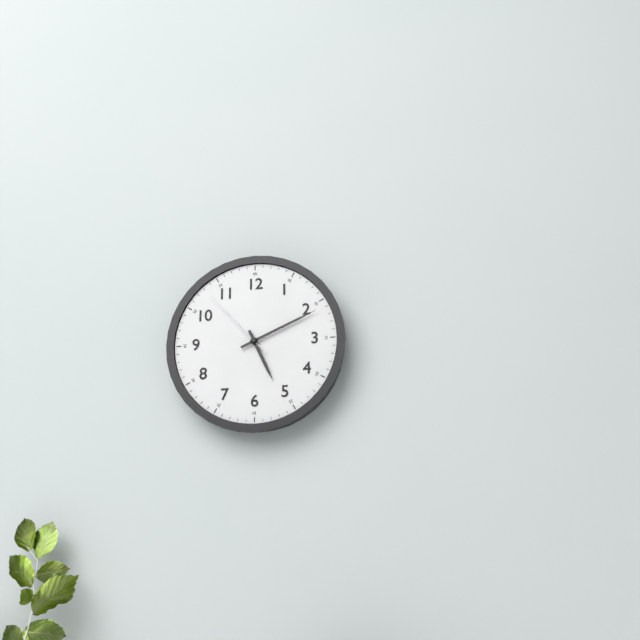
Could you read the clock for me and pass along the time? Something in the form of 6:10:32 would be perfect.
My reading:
5:11:53
